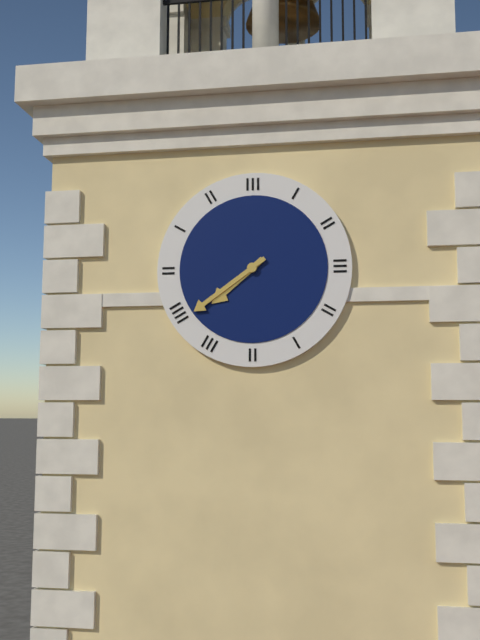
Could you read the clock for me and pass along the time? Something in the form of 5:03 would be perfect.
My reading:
7:39
